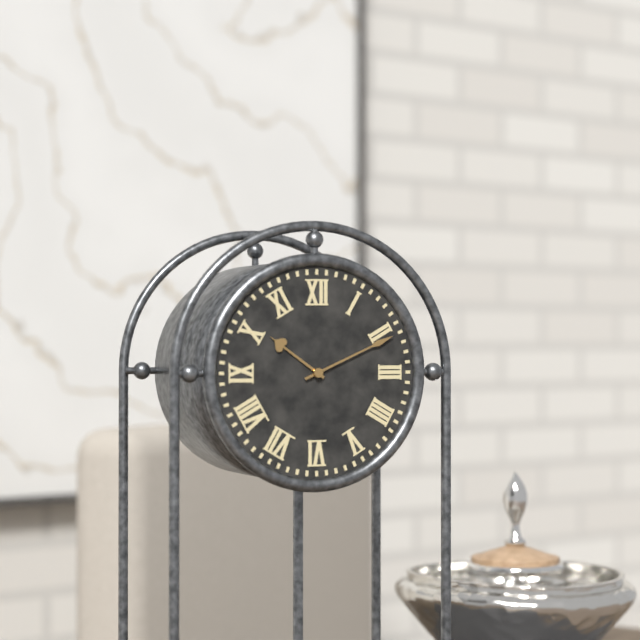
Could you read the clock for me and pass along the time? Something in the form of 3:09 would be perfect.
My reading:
10:11
